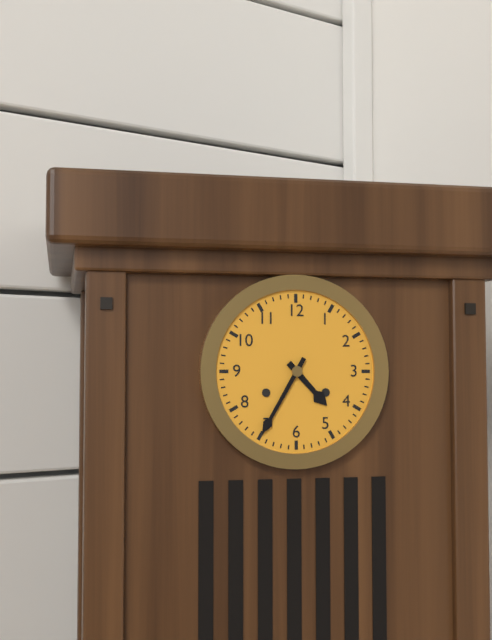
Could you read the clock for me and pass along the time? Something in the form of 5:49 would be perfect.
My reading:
4:35
